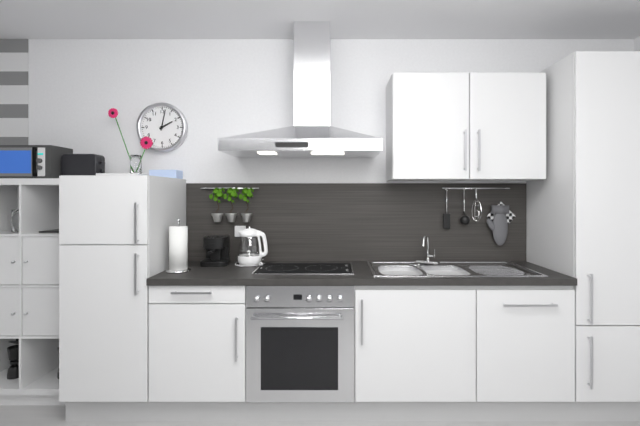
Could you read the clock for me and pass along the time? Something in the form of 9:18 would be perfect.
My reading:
2:02
